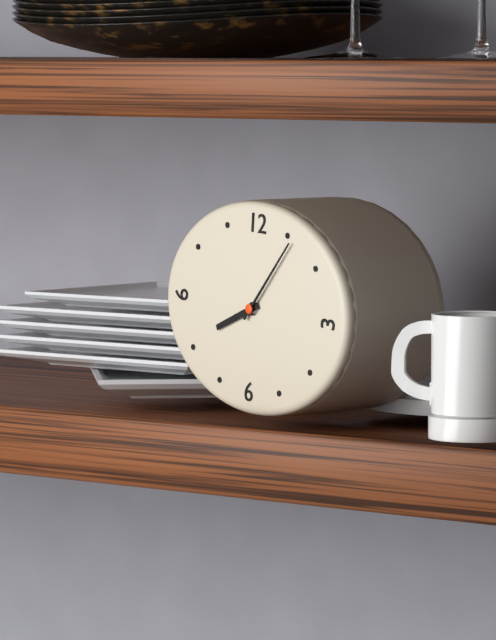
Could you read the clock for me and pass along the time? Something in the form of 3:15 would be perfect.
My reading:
8:06
